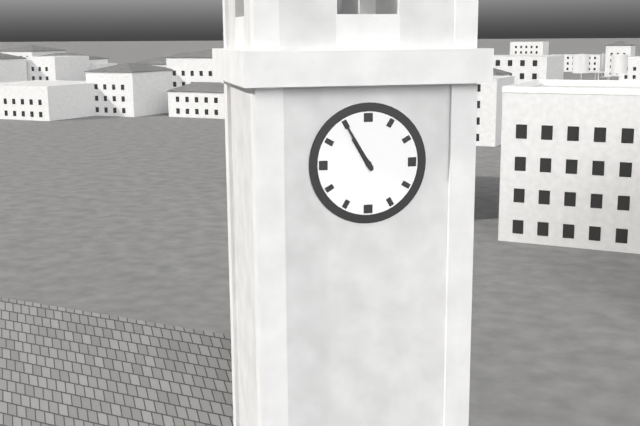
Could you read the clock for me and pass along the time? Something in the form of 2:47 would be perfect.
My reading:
10:55
